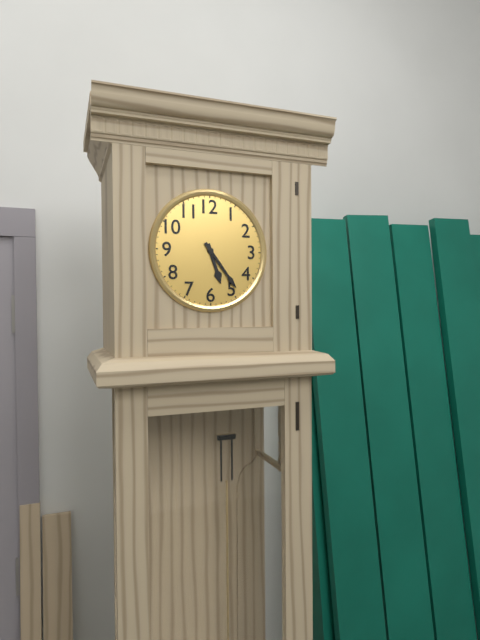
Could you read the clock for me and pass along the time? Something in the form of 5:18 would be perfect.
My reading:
5:24
